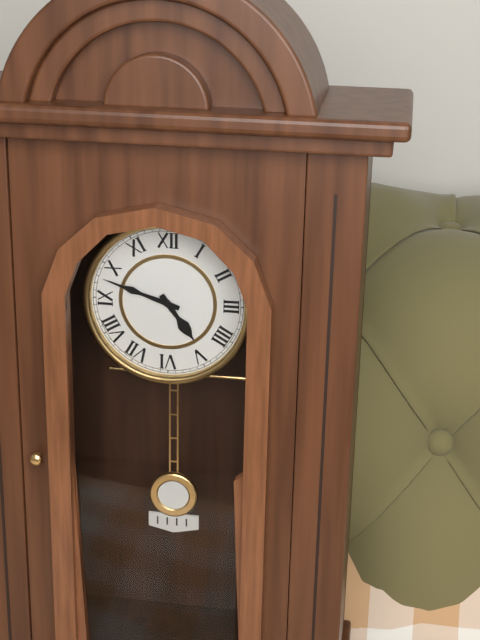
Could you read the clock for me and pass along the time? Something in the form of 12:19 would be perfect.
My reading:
4:48
